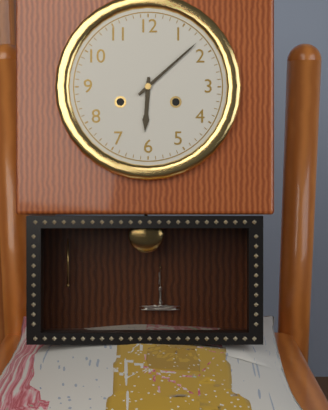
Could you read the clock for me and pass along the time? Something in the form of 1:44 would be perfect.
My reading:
6:08
